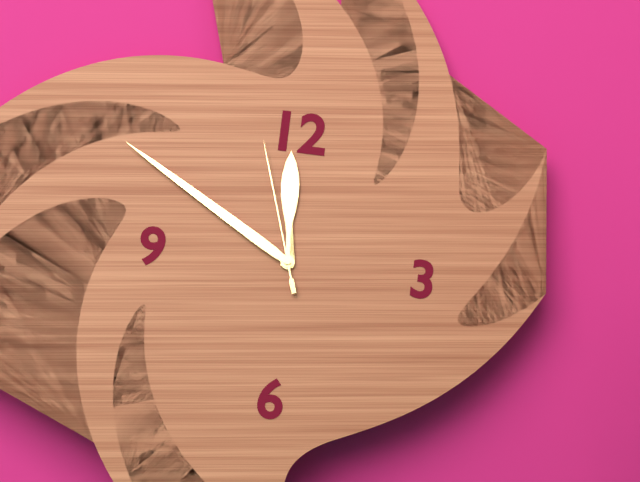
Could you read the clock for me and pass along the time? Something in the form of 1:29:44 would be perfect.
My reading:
11:50:57
